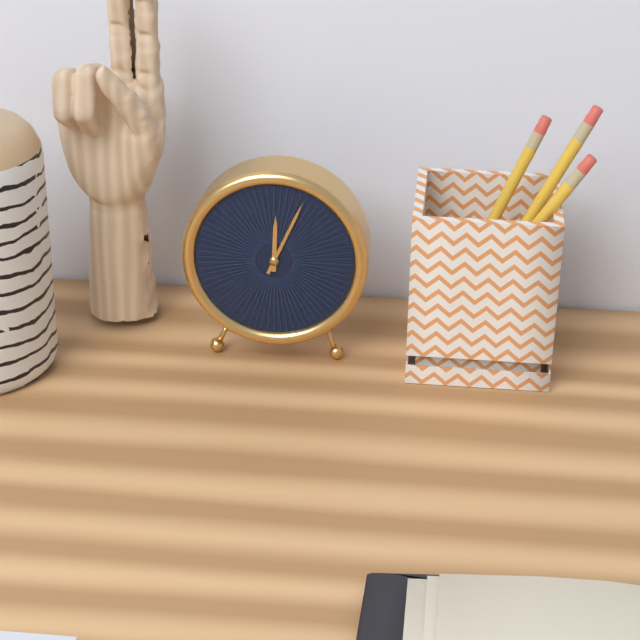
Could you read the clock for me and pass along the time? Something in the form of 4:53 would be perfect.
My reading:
12:04
